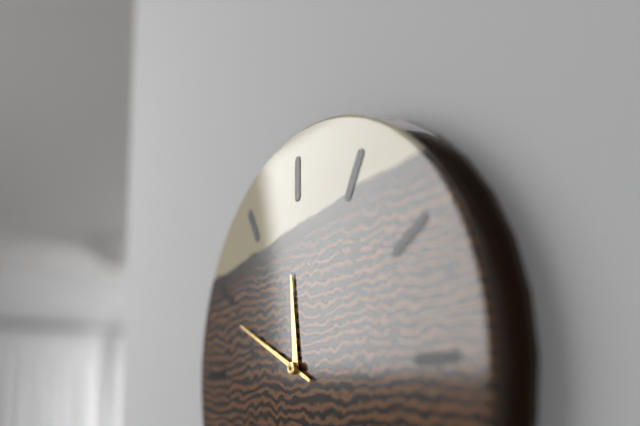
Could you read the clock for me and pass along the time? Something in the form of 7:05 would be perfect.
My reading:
11:49
